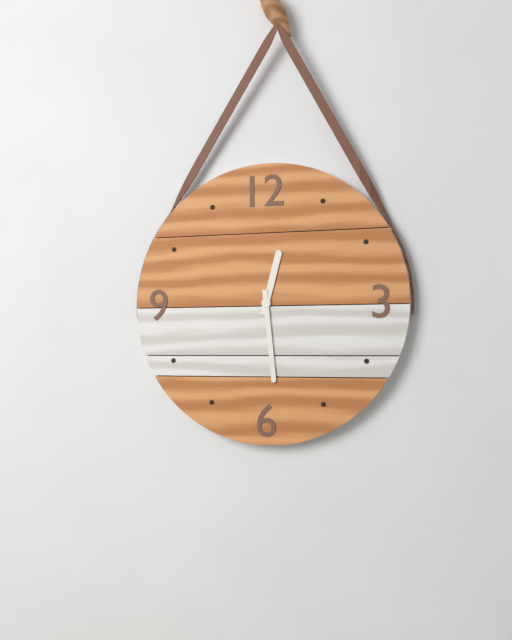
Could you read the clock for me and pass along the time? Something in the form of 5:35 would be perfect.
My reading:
12:29
